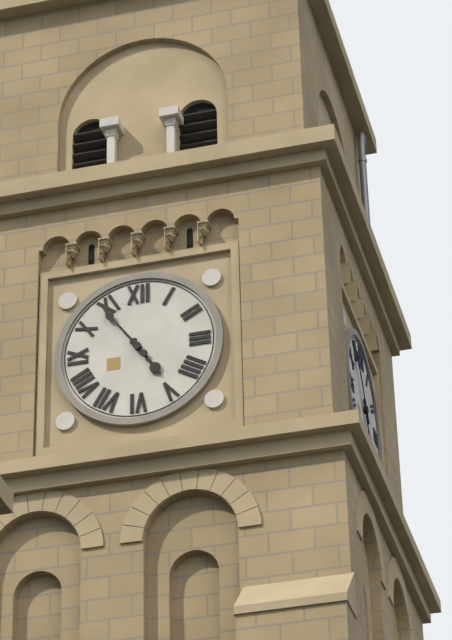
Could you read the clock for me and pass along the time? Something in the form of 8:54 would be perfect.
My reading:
4:54
